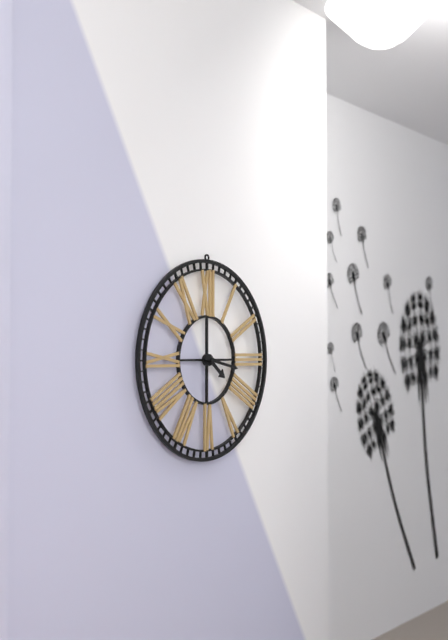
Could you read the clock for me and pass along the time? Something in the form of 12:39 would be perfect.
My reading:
4:17
